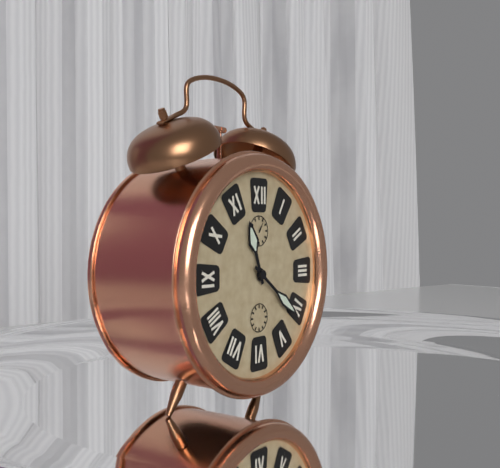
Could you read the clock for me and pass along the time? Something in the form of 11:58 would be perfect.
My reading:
11:21
